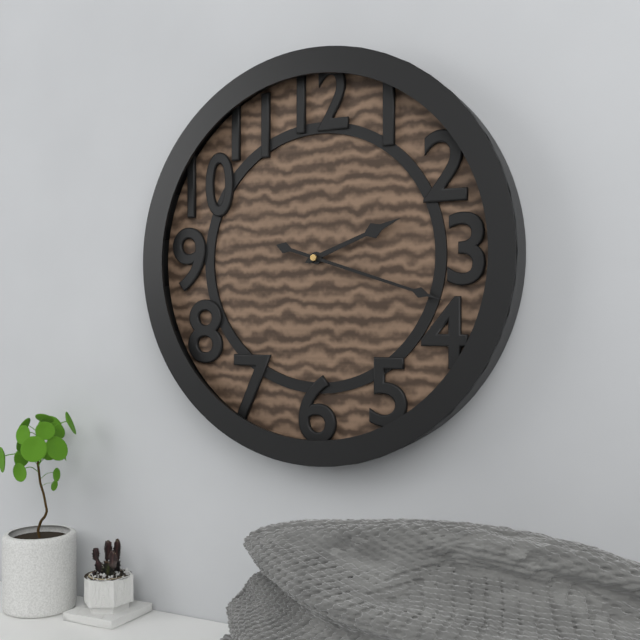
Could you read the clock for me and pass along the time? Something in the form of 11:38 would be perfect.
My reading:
2:18
